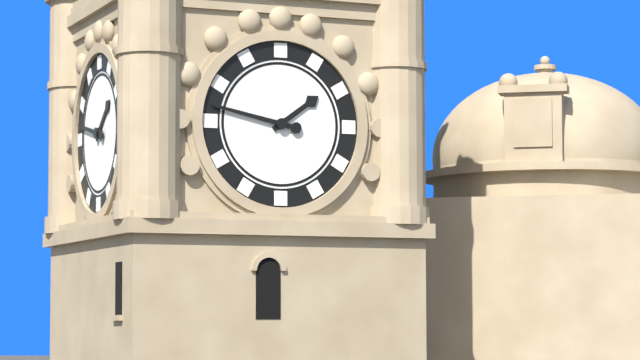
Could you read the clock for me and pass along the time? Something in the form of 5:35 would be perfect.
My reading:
1:47
